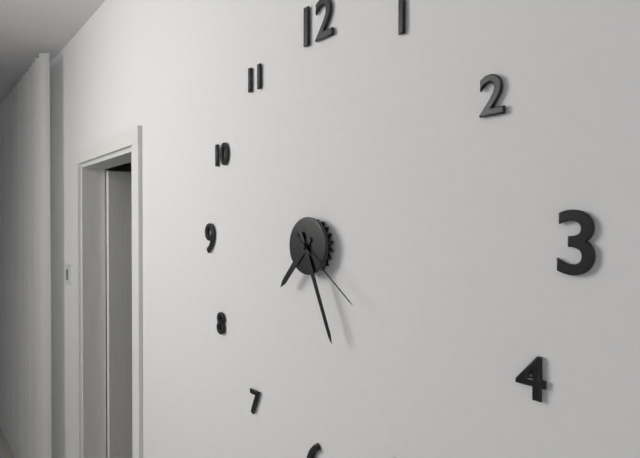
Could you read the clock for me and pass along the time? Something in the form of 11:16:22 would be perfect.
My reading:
7:26:21
